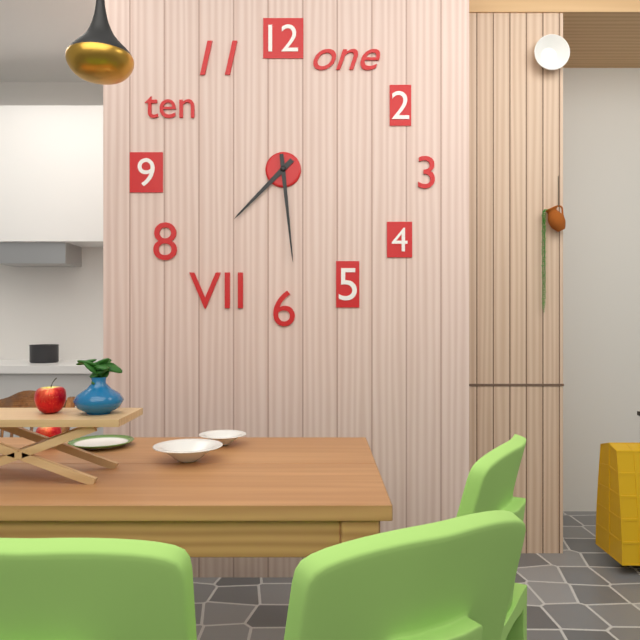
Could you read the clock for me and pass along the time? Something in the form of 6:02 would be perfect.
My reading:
7:29
